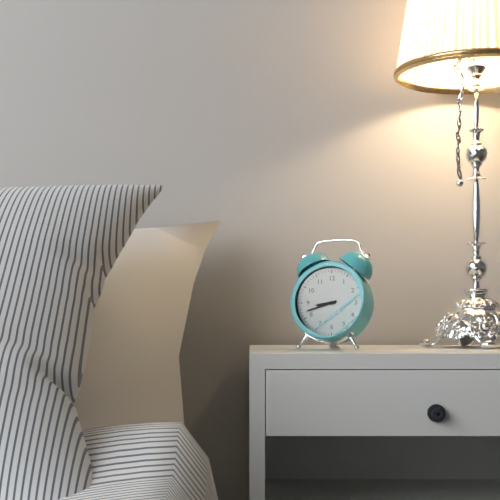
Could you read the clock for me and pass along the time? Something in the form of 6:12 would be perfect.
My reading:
8:42
